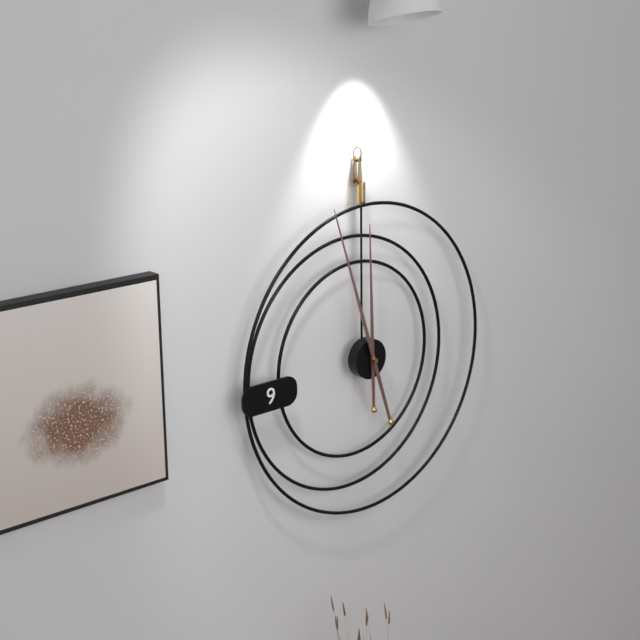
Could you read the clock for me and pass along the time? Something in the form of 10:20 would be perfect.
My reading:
11:57
